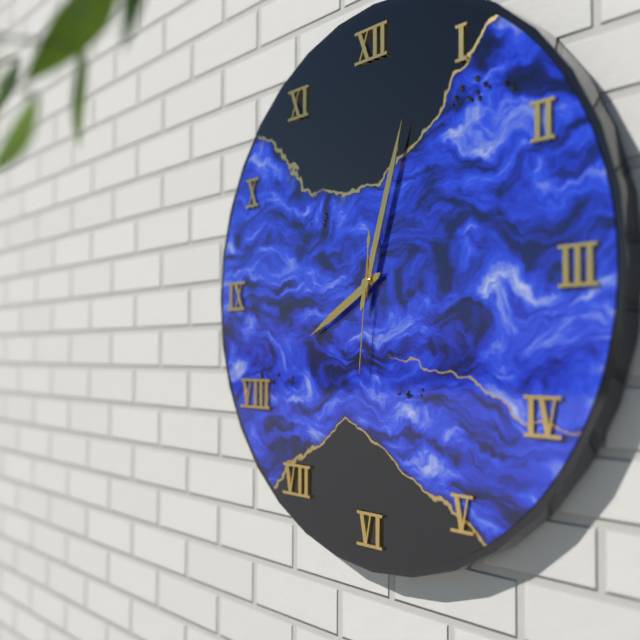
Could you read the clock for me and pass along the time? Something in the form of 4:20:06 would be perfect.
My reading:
8:03:31
